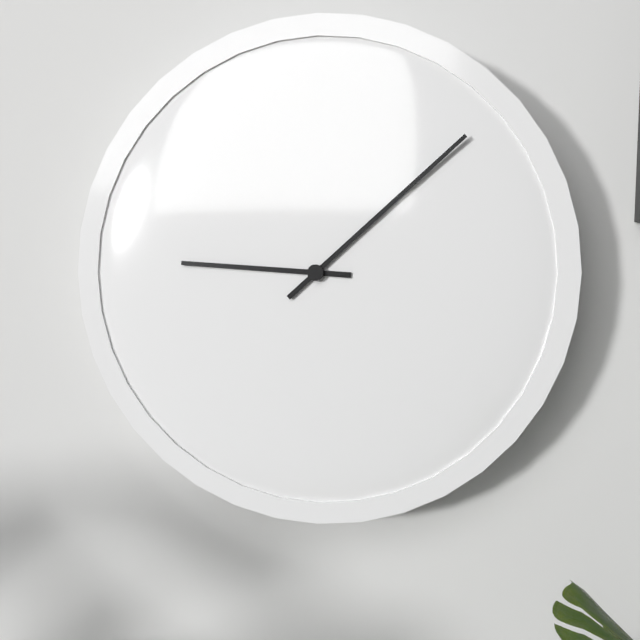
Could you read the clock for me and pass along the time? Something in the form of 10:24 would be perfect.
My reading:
9:08
